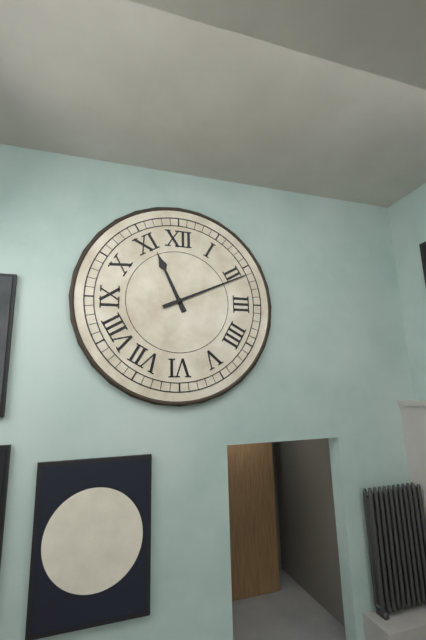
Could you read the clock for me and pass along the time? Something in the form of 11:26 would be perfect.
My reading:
11:11
